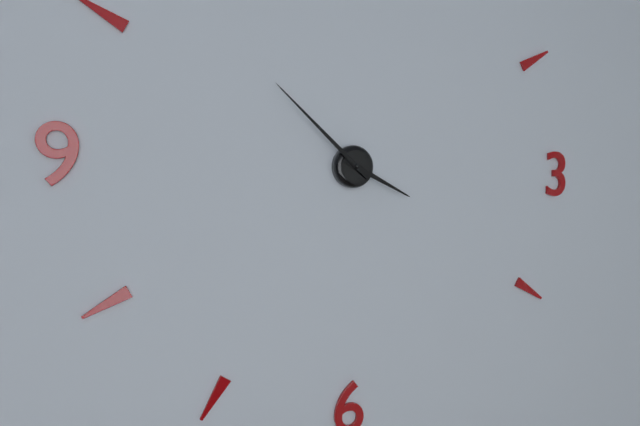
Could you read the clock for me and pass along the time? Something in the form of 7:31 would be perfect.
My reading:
3:52
